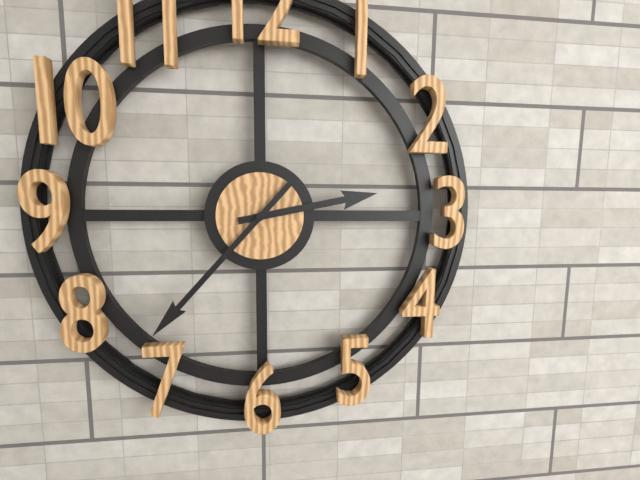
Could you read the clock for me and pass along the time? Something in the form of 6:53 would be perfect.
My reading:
2:37
